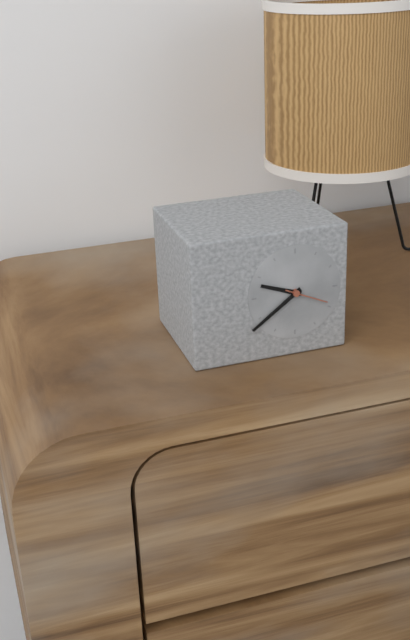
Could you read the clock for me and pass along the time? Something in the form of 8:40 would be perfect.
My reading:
9:39
